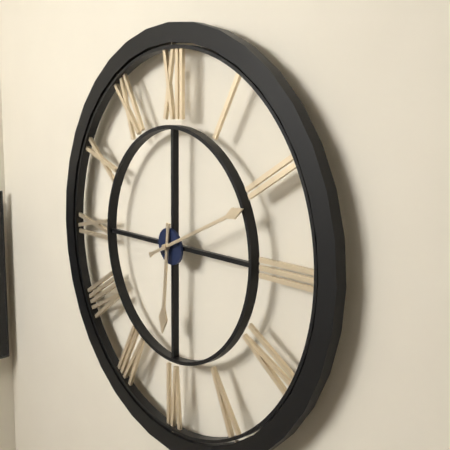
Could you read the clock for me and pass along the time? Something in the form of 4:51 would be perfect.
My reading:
6:11
